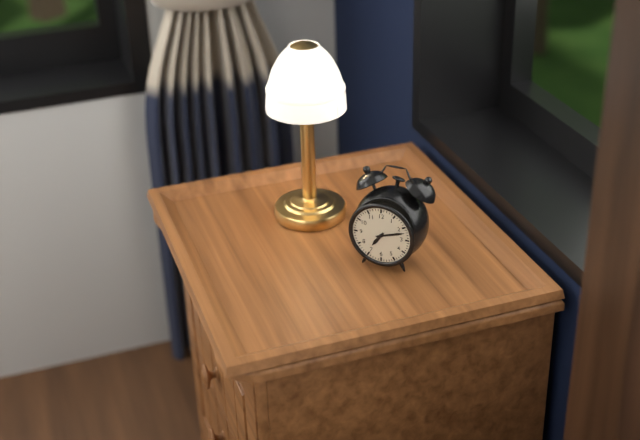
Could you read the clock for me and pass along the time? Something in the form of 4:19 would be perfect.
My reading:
7:12
